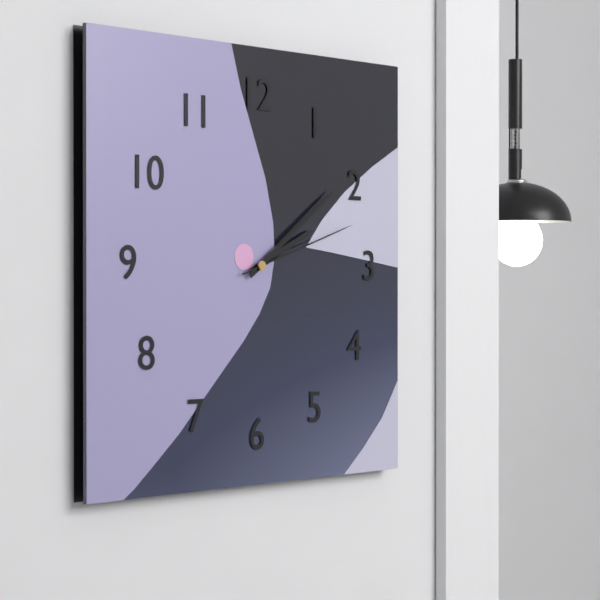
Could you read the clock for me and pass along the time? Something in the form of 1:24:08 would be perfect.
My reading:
2:09:12
